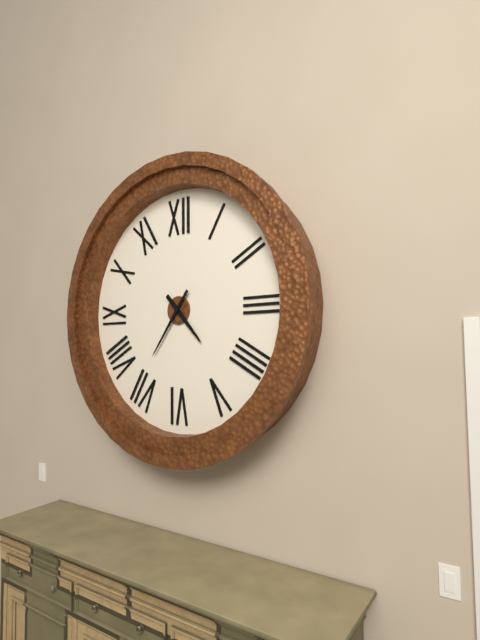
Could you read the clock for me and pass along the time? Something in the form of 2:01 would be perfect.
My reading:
4:36
